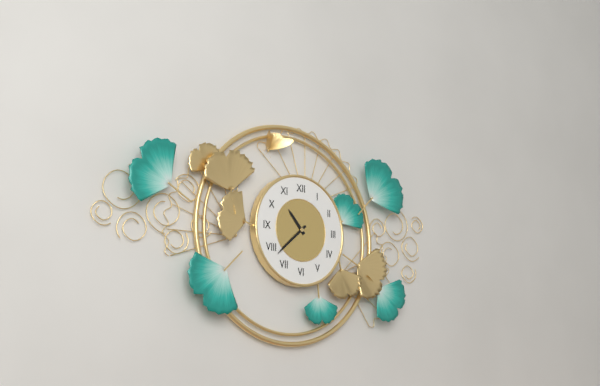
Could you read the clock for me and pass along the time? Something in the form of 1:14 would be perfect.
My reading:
10:38
